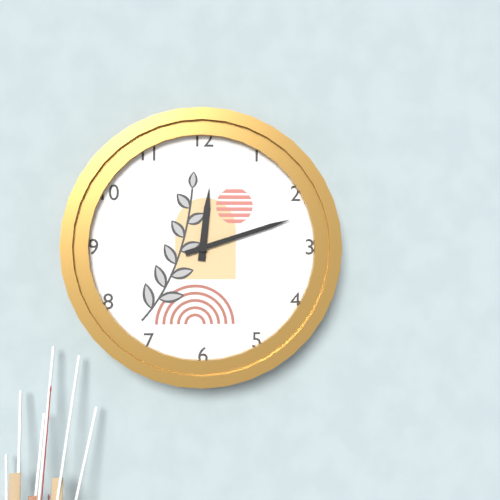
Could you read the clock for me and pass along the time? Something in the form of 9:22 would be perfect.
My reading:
12:12
